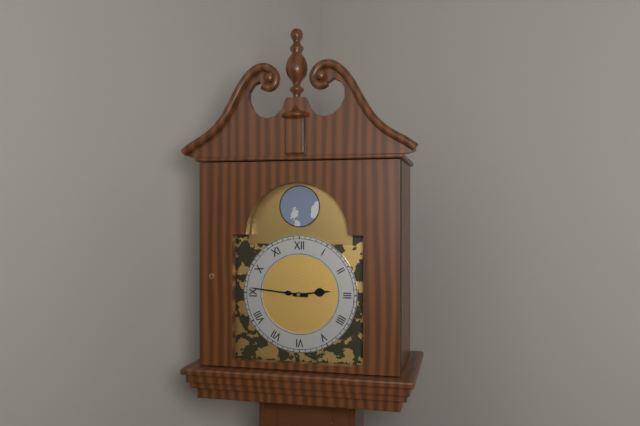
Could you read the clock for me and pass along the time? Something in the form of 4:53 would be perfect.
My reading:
2:46
